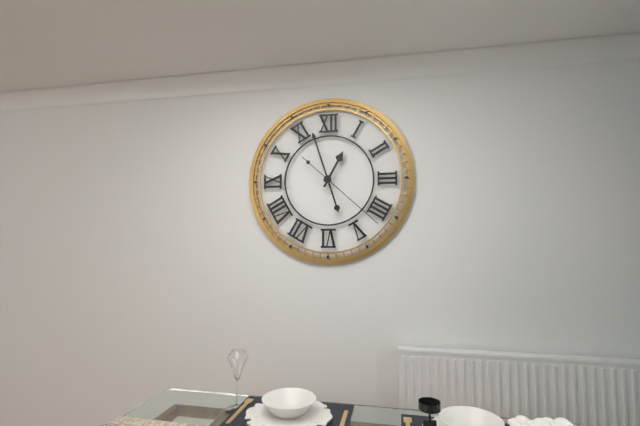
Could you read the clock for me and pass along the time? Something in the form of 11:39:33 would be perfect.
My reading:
12:57:22
